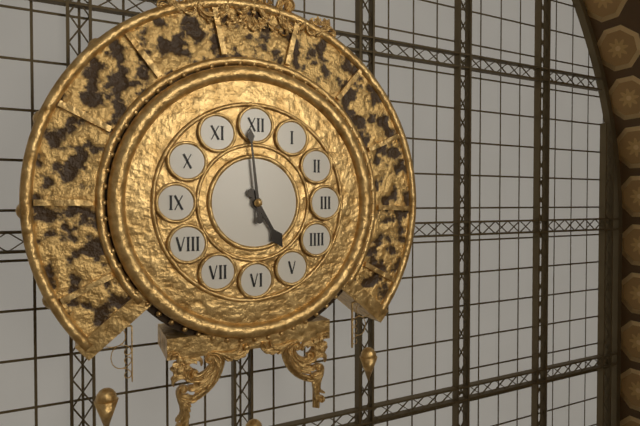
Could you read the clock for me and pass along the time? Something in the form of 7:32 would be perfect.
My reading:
4:59
